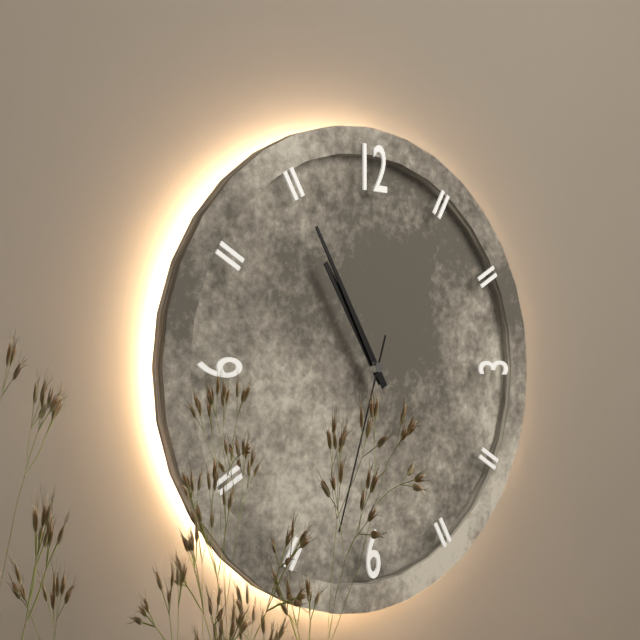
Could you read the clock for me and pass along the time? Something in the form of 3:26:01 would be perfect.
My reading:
10:55:33
